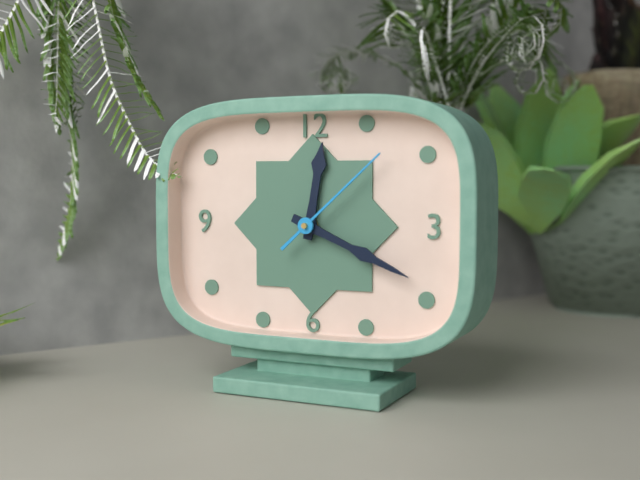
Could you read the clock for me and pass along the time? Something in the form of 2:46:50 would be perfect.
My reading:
12:19:08
